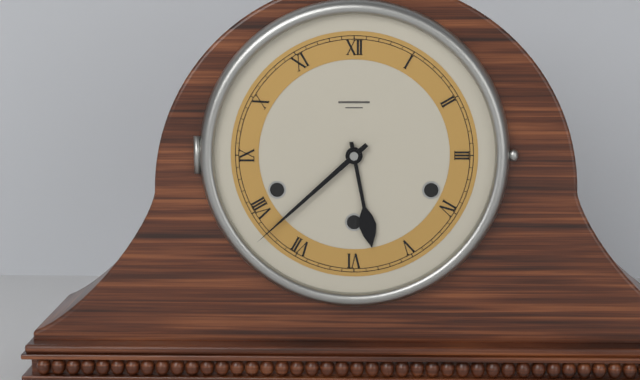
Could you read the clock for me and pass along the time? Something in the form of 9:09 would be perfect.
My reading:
5:38
